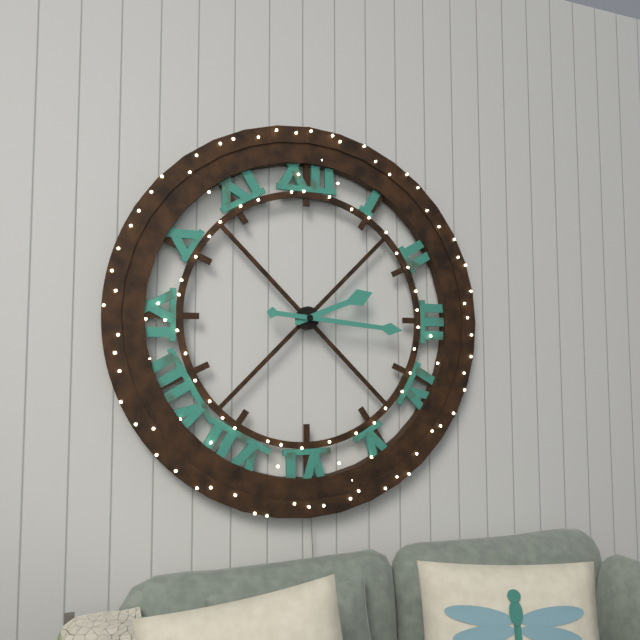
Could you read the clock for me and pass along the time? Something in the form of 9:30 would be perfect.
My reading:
2:16
